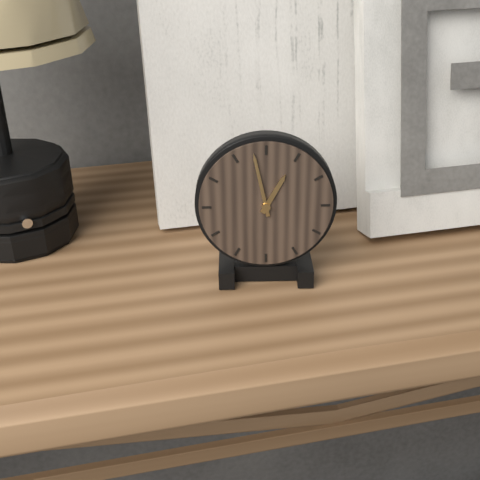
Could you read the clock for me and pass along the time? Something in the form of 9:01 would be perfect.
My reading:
12:58
